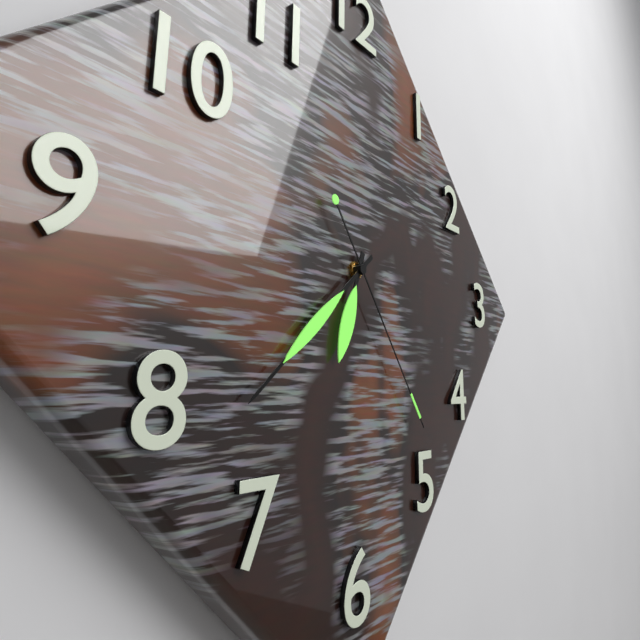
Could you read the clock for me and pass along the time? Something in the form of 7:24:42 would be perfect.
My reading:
6:38:24
